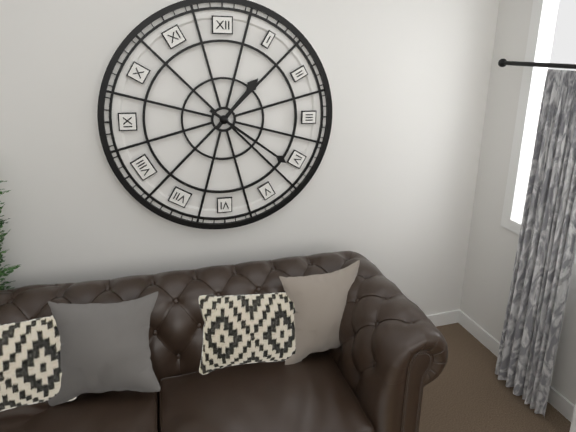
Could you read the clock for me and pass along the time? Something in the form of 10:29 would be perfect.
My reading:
1:21
